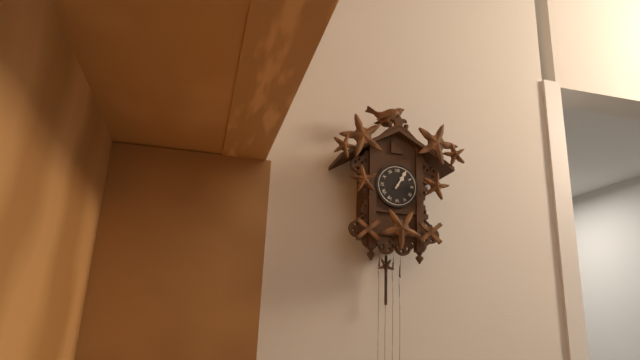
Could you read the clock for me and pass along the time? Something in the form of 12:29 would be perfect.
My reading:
1:05
